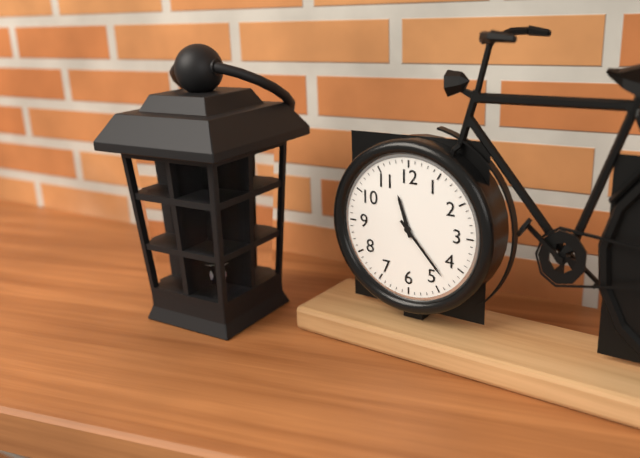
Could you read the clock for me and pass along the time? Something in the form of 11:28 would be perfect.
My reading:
11:23
